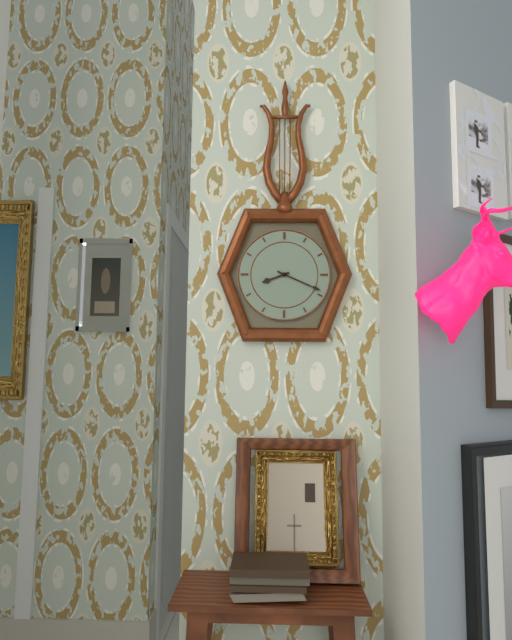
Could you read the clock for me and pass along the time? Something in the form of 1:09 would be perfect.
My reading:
8:19
